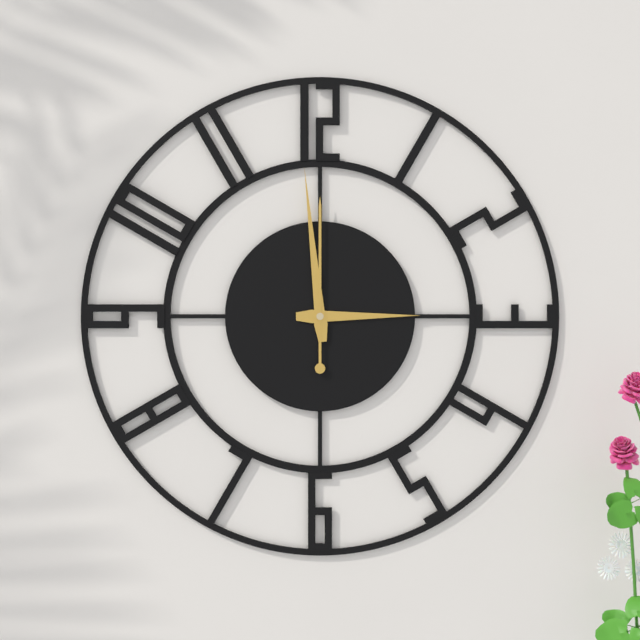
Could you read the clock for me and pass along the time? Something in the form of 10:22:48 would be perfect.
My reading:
2:59:00
